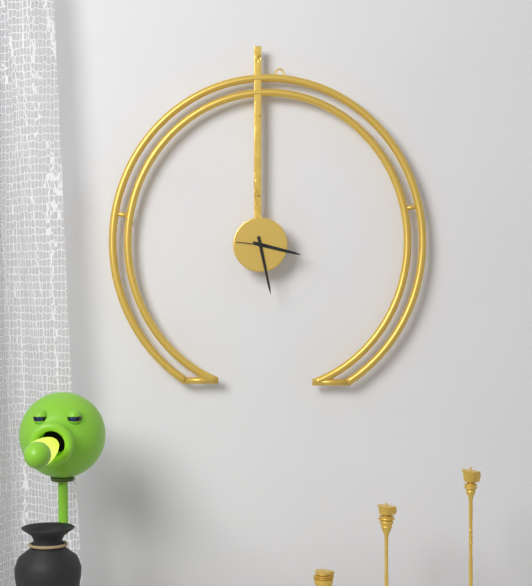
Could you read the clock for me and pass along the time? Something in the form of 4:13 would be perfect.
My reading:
3:28
